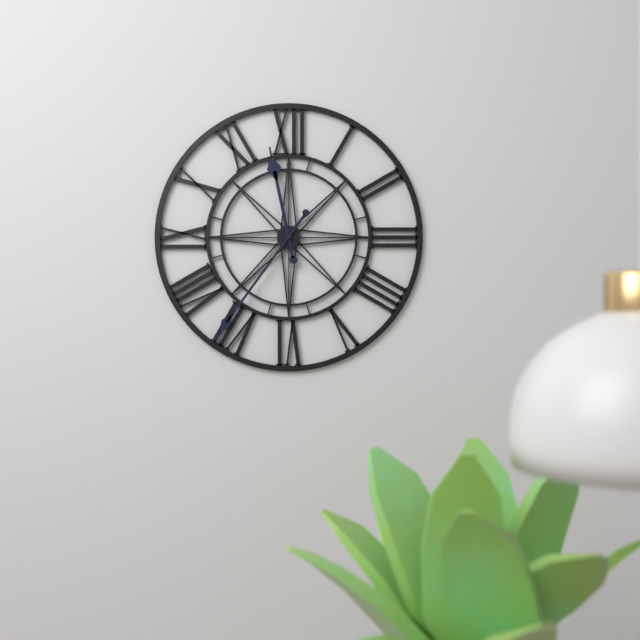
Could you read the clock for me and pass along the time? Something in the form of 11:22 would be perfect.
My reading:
11:36
